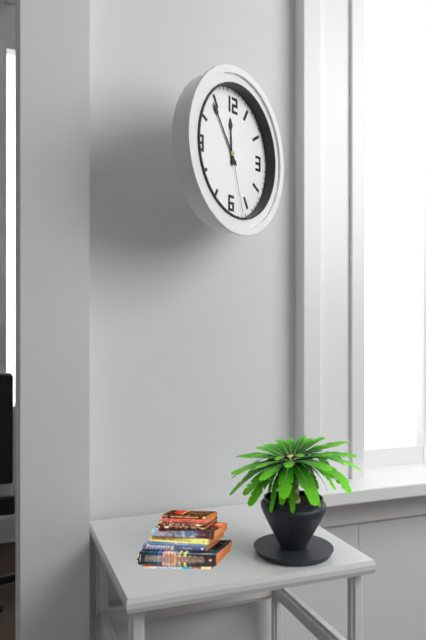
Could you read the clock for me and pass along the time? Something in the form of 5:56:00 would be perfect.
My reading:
11:54:27
